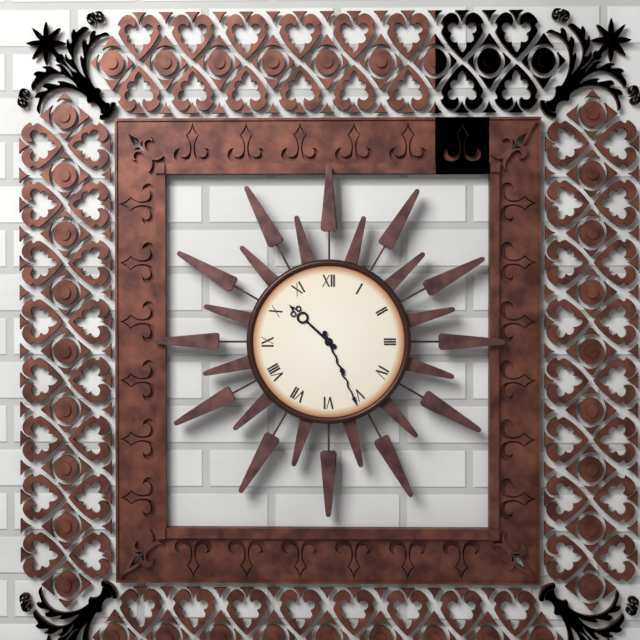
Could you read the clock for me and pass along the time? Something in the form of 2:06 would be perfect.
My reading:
10:26
